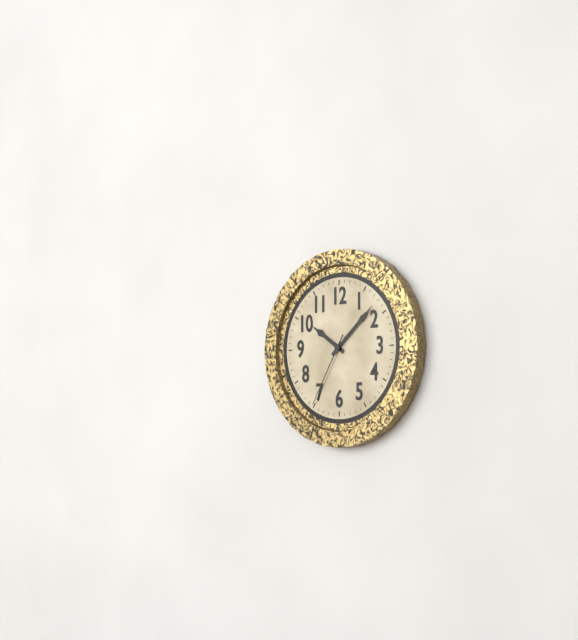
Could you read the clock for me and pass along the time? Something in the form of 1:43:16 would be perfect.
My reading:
10:08:35
